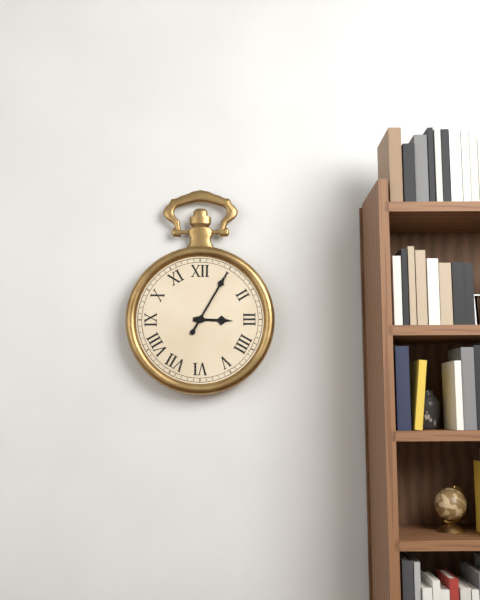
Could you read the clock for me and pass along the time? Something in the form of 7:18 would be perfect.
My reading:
3:05
